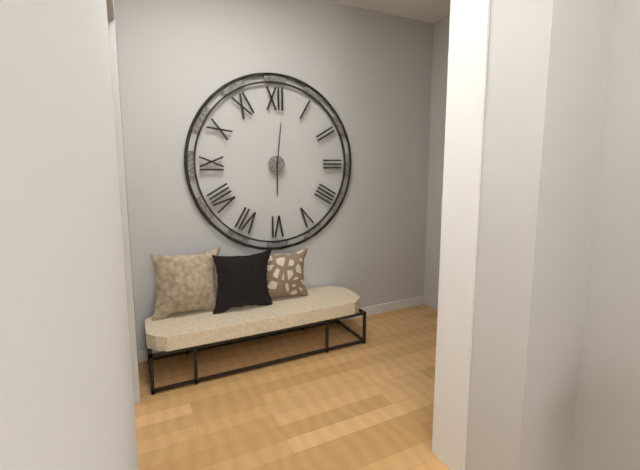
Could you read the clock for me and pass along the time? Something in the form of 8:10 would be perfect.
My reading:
6:01
